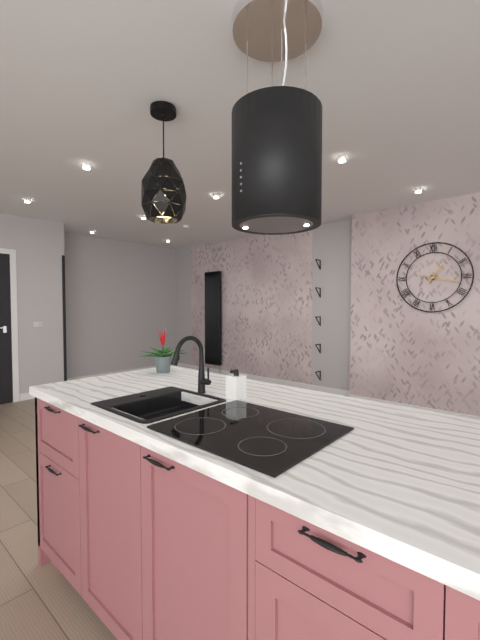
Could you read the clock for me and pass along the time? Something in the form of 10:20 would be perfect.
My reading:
1:17
